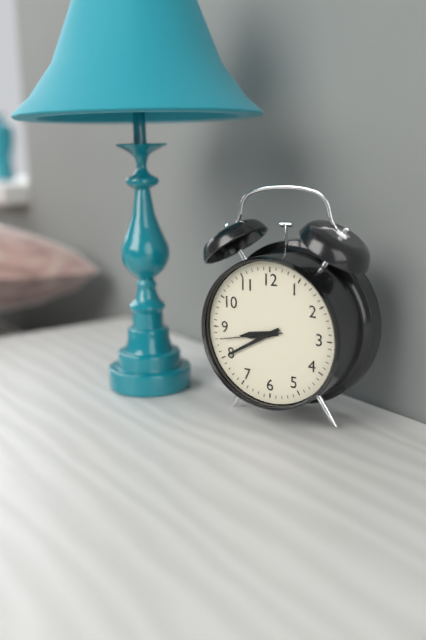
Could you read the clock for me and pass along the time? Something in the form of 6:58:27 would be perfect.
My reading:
8:40:43
